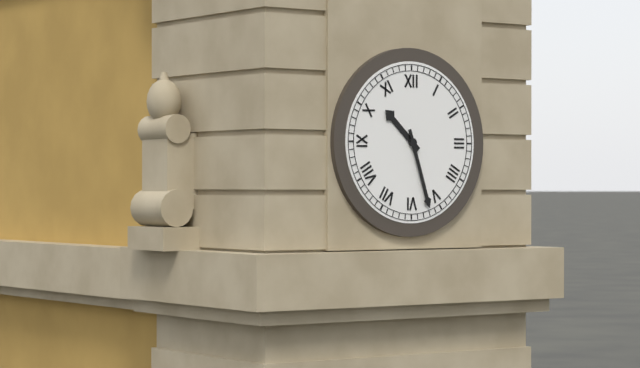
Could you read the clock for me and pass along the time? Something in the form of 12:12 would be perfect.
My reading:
10:27
